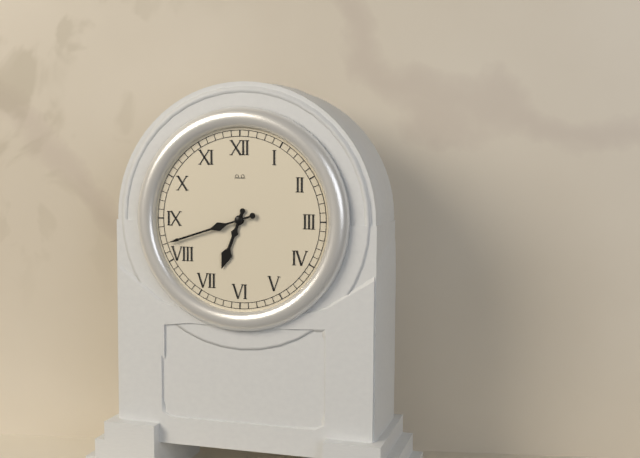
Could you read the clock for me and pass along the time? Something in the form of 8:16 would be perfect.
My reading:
6:42
